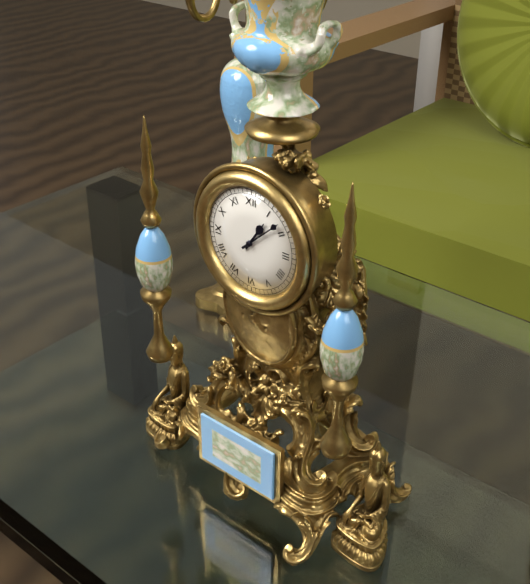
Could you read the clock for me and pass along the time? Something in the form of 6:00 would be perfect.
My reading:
1:08
